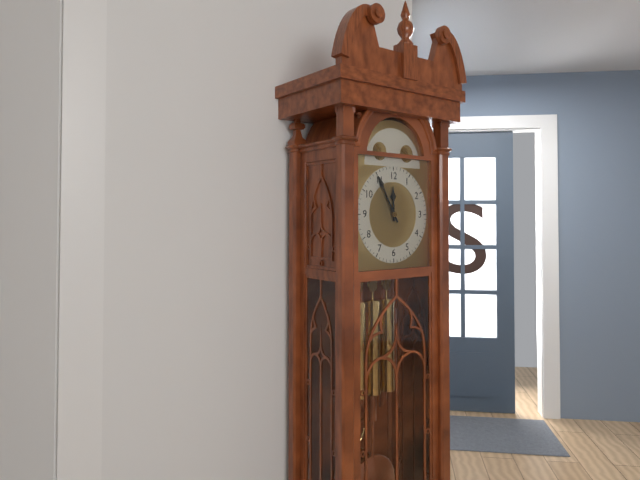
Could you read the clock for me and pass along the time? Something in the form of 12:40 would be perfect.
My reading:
11:55
